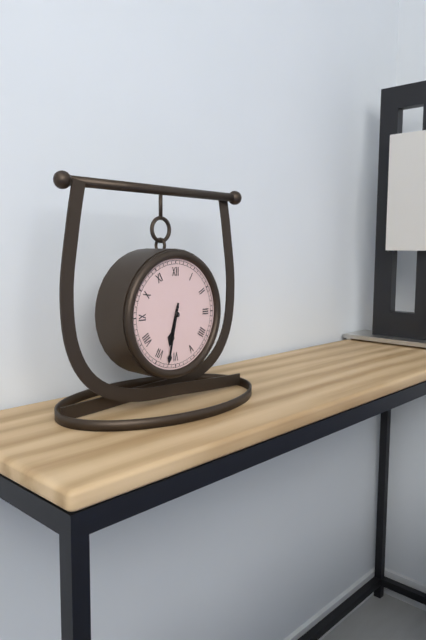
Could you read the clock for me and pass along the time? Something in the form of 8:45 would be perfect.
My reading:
6:32
